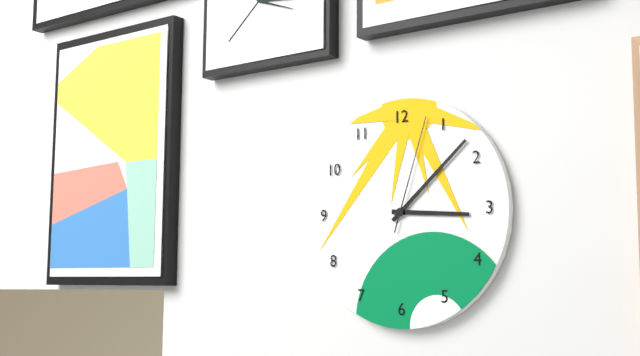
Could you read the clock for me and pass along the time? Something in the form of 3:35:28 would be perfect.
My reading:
3:08:03
